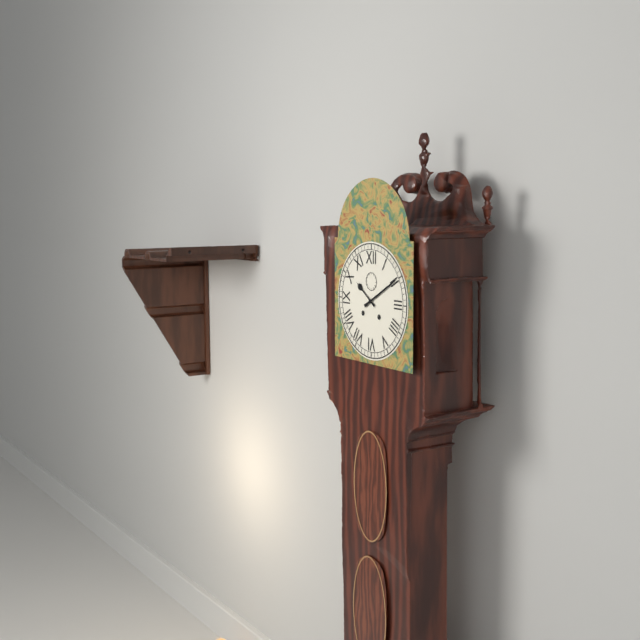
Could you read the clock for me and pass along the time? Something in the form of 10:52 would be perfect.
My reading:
10:10
